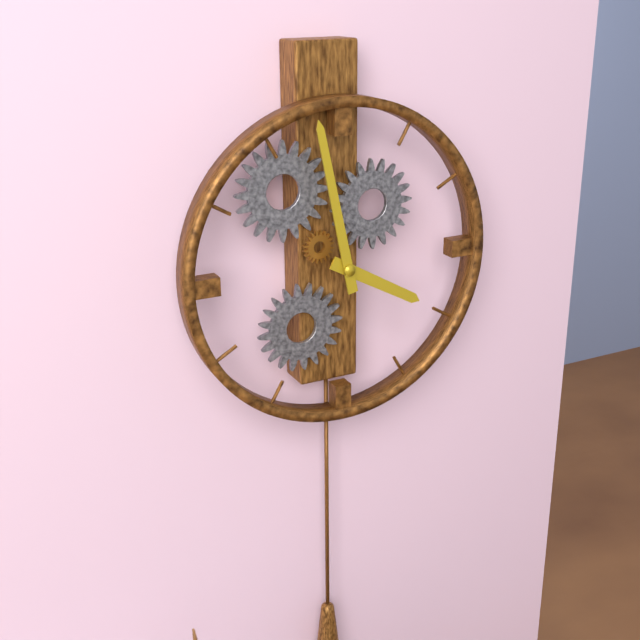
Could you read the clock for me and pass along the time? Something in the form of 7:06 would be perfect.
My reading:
3:58
